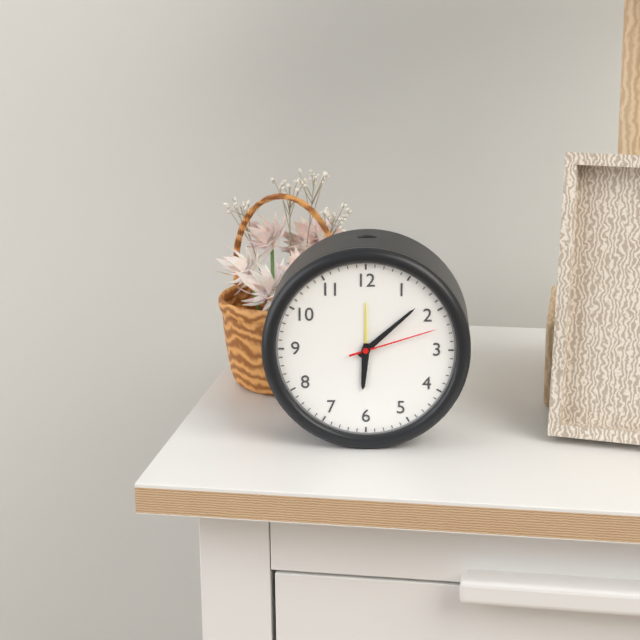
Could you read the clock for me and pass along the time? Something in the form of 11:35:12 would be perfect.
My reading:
6:08:12
